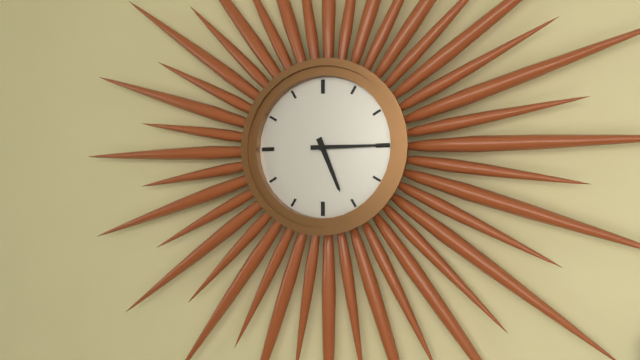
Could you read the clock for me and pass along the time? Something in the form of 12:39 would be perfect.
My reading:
5:15
